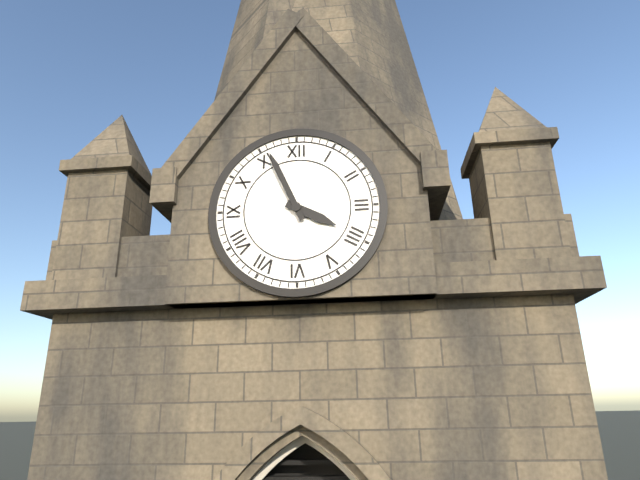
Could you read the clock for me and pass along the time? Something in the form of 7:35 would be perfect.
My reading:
3:56
